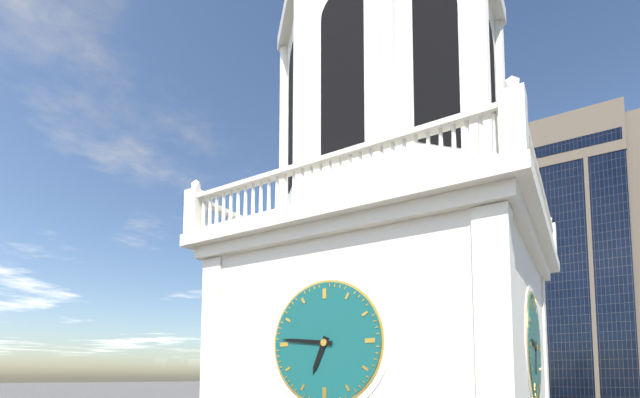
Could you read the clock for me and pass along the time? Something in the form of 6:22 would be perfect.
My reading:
6:46
